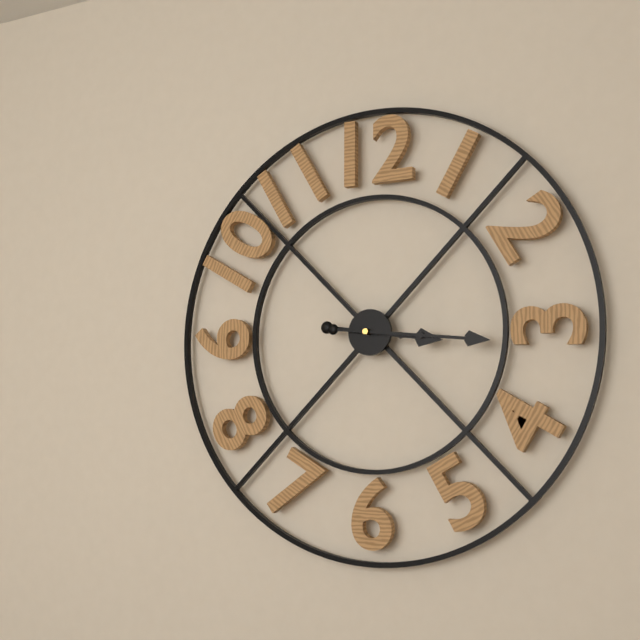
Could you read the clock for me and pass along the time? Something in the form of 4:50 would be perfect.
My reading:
3:16
